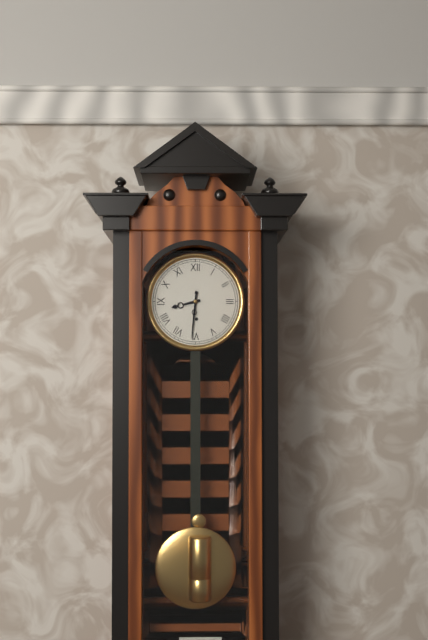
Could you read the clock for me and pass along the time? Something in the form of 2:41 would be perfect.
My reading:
8:31
